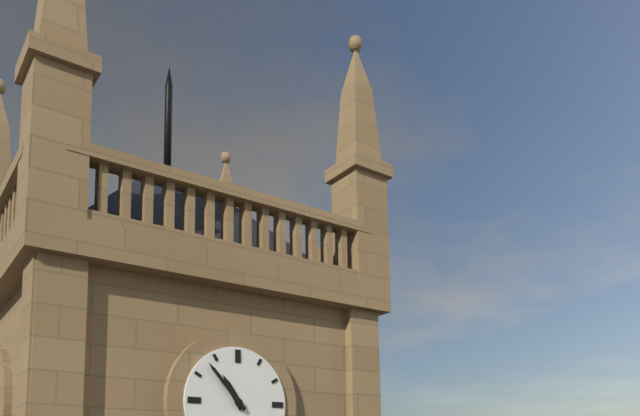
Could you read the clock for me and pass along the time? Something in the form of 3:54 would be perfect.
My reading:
10:53
